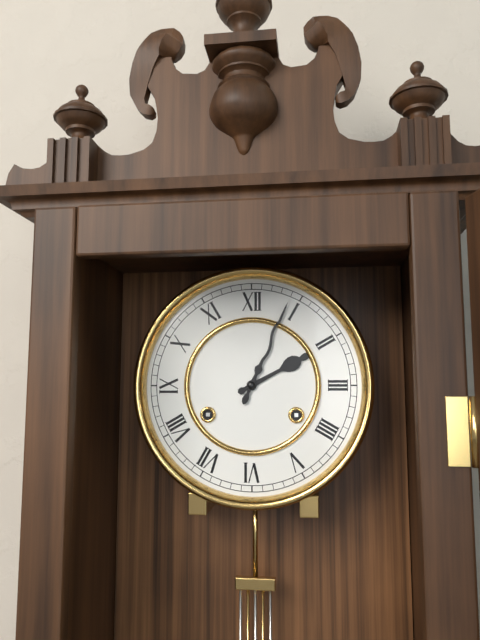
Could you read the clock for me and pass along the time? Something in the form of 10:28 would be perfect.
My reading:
2:04
